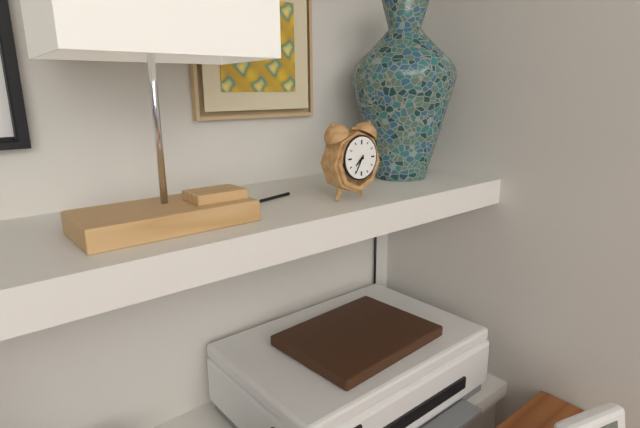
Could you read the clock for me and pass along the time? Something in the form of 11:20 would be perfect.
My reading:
7:35
